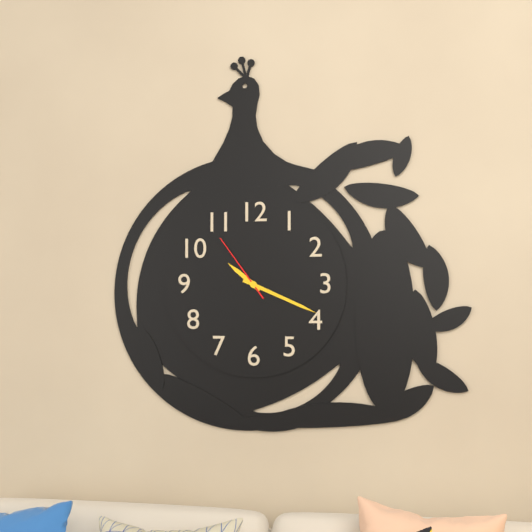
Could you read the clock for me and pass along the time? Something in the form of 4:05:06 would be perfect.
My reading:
10:19:54
